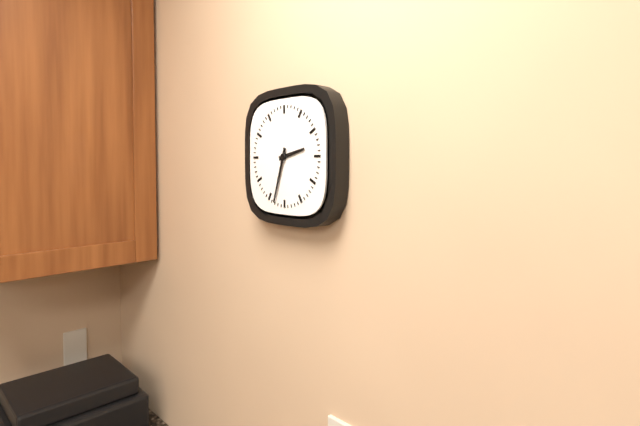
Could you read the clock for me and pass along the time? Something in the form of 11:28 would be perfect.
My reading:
2:33
